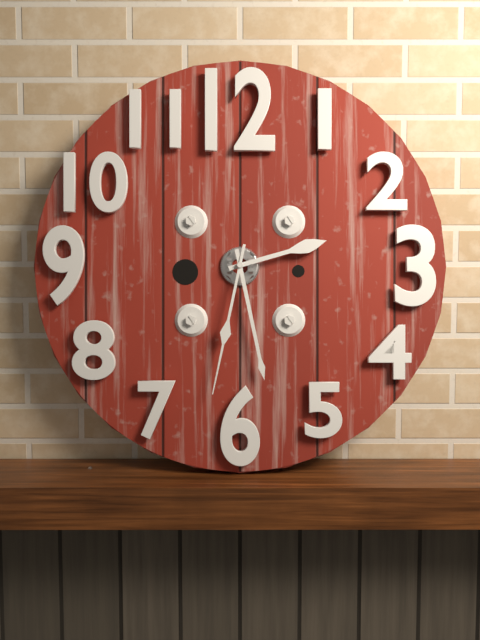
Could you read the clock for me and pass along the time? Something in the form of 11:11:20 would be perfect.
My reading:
2:28:32
